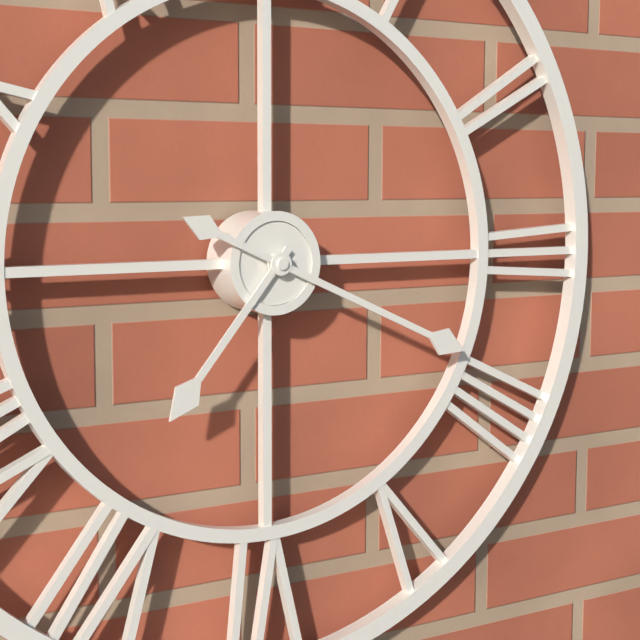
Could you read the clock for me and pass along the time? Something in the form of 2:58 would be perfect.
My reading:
7:19
